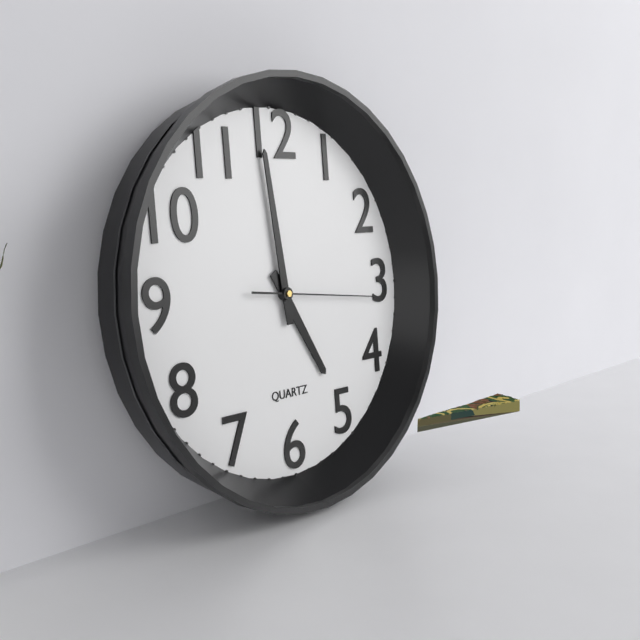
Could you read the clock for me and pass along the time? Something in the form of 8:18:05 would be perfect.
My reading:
4:59:16
